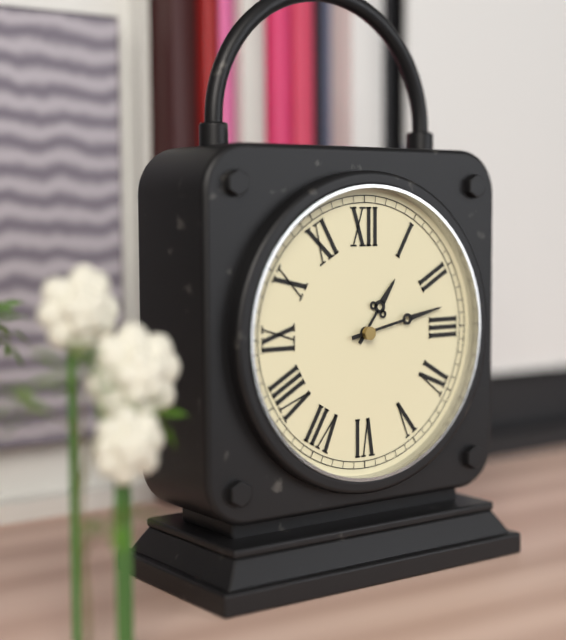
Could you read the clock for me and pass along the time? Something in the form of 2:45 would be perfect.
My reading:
1:13
